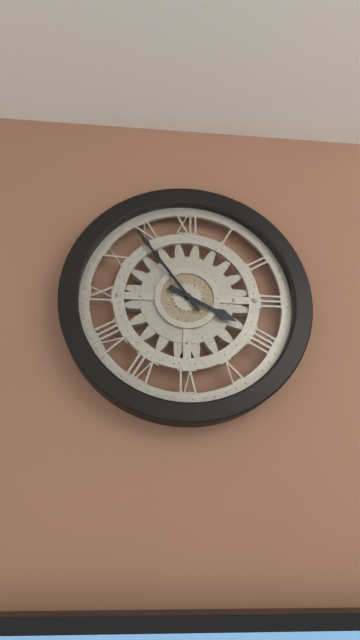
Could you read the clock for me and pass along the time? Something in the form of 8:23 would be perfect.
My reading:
3:54
